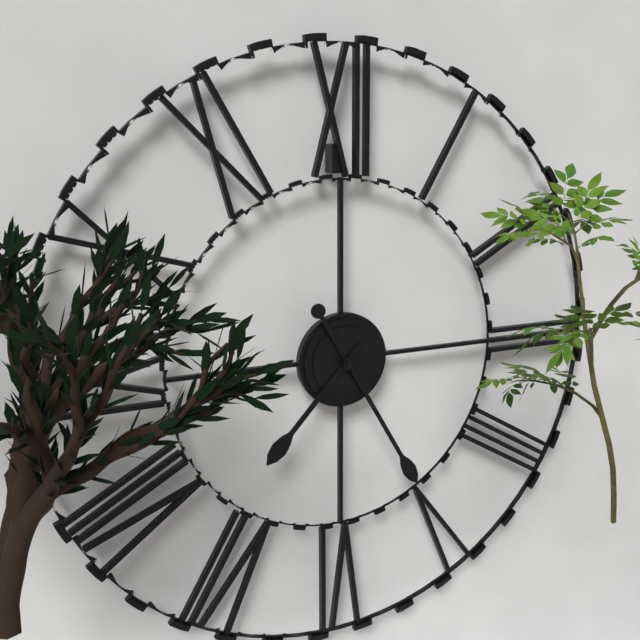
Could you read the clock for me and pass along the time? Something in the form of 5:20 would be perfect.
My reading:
7:25
